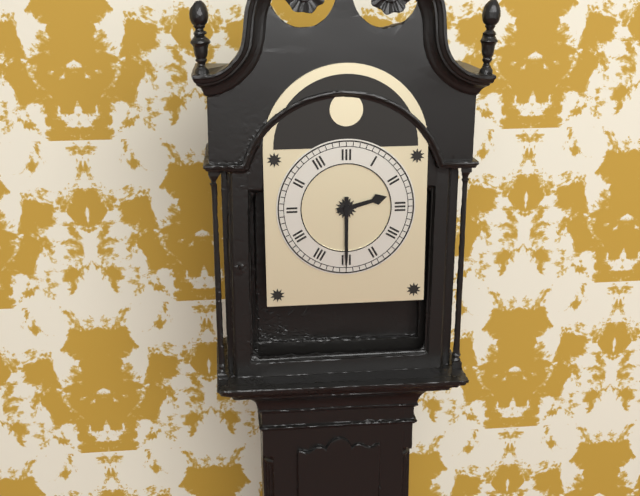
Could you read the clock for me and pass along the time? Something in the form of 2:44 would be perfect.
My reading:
2:30
